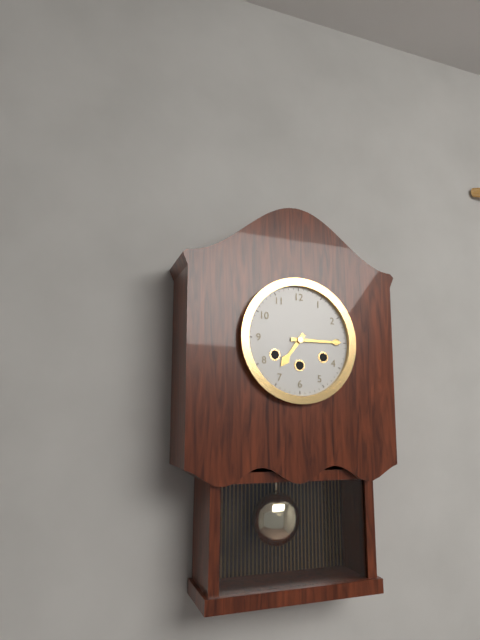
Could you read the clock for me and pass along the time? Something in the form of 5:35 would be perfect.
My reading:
7:15
